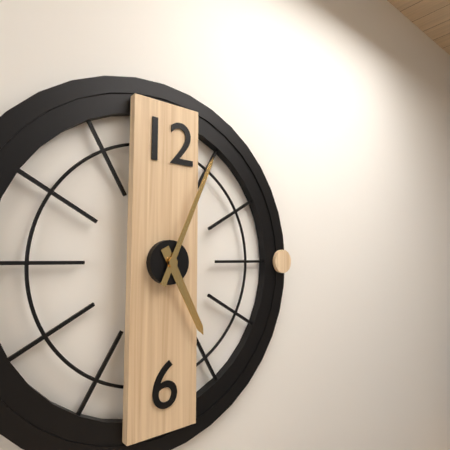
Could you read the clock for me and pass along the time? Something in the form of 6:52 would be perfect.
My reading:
5:04
